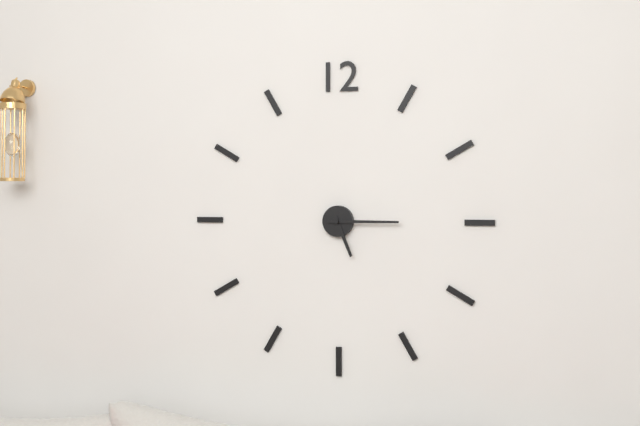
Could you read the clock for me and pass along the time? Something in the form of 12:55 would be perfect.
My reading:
5:15
